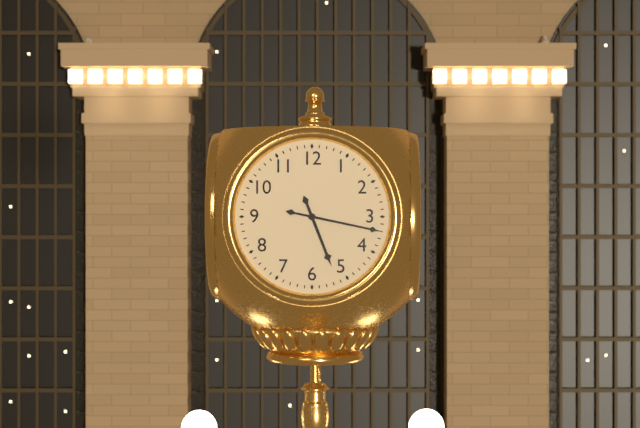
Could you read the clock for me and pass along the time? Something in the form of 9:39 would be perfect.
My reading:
5:17
